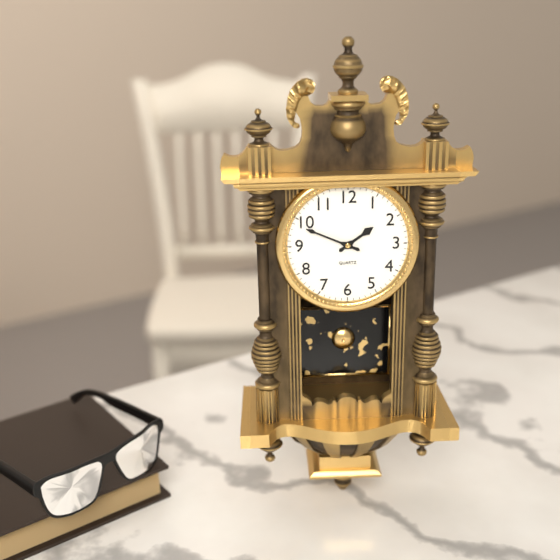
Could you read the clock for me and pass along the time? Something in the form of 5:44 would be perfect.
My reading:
1:49
